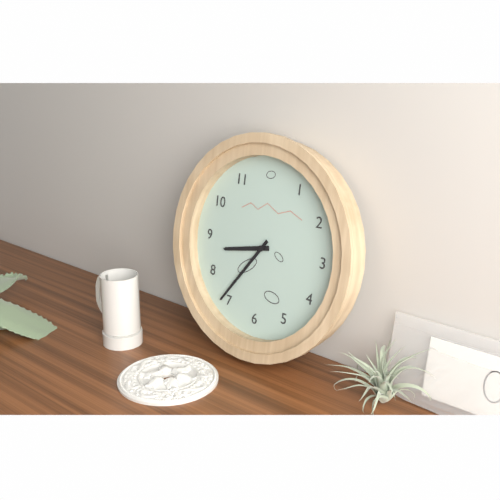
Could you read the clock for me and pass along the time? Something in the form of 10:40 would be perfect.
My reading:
8:36
